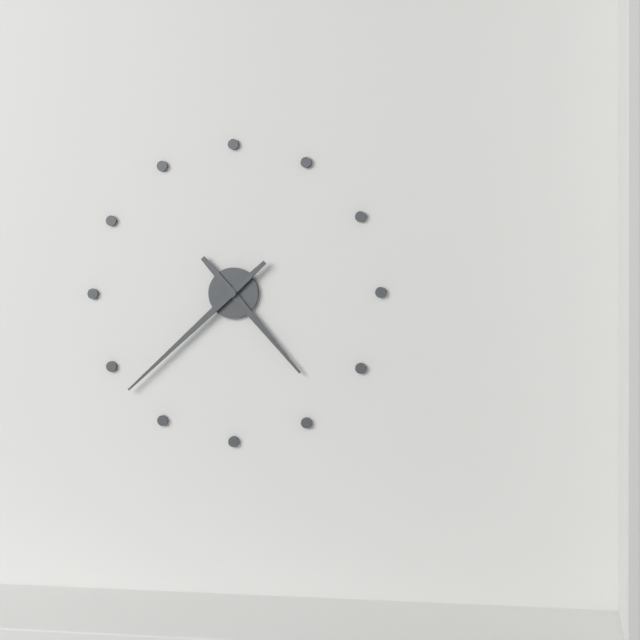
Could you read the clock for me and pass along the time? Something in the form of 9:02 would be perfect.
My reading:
4:38
